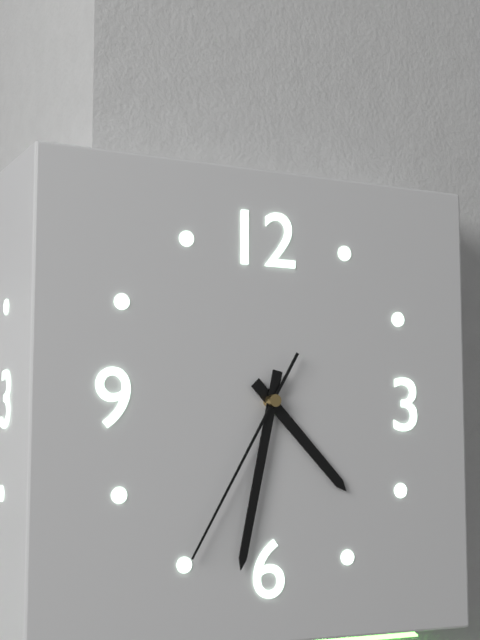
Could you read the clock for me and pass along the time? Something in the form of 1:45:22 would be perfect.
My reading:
4:32:35
